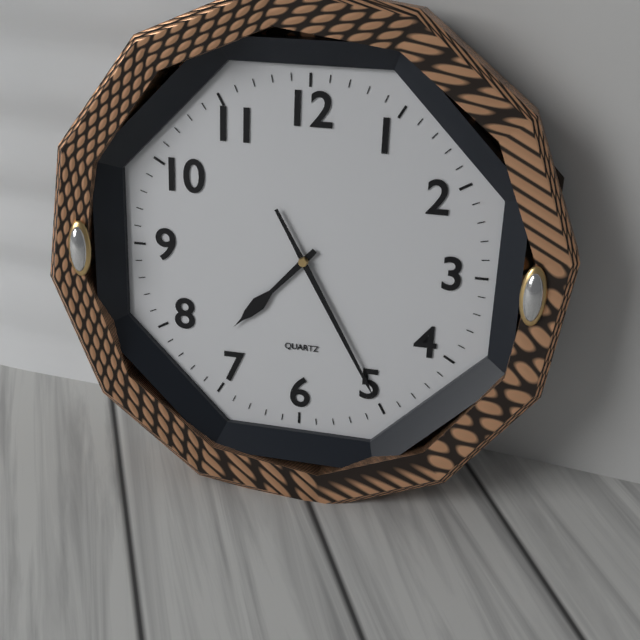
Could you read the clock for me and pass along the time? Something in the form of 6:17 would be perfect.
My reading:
7:25
